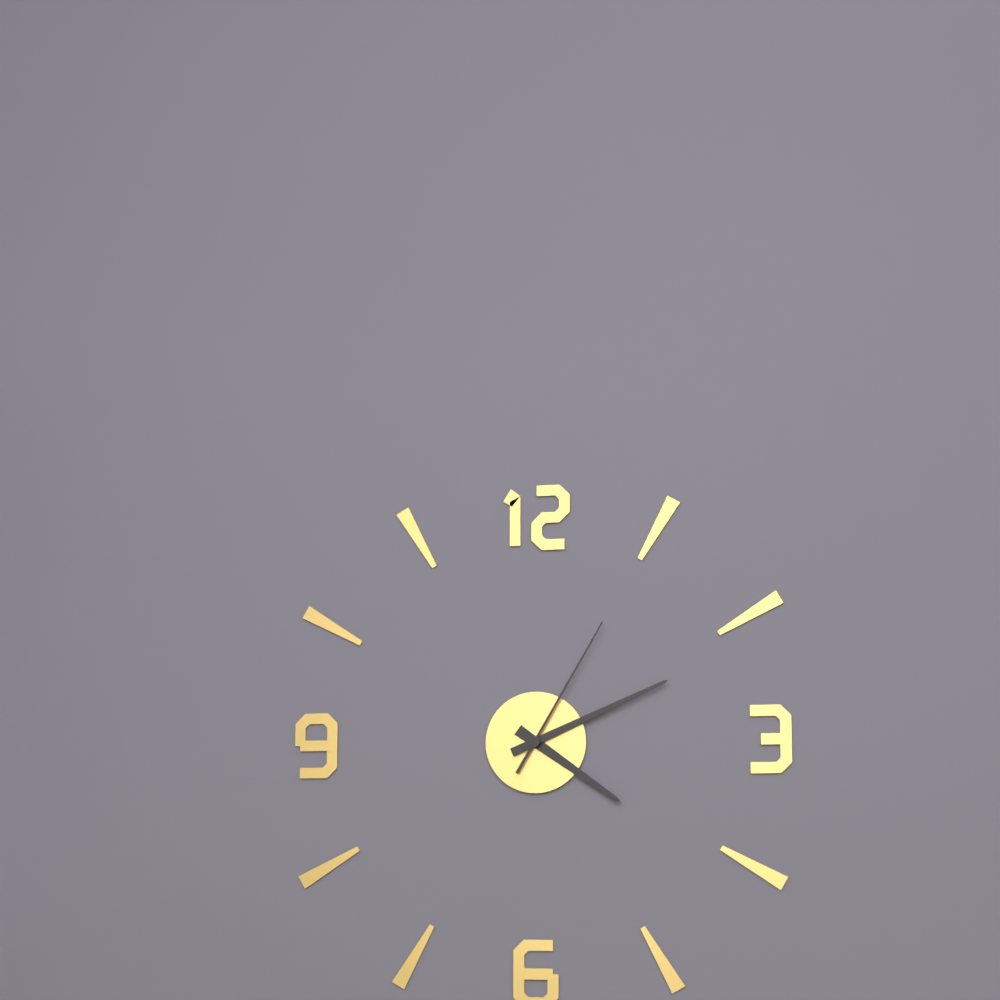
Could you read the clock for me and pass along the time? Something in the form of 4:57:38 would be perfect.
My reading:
4:11:05
